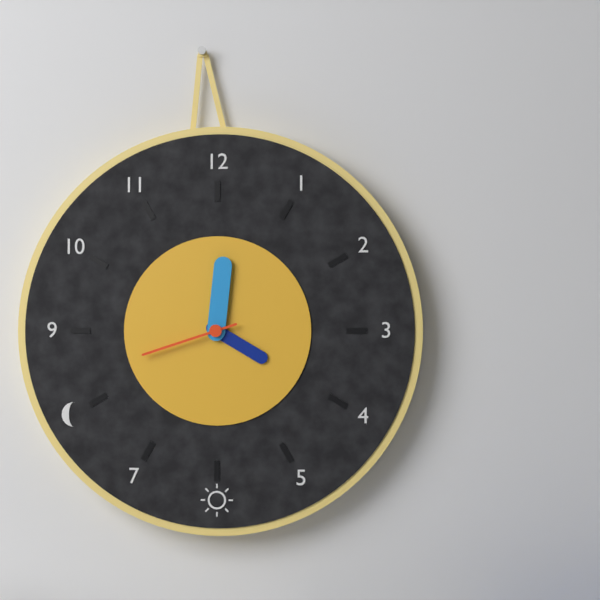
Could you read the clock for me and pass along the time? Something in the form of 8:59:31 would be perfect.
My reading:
4:01:42
